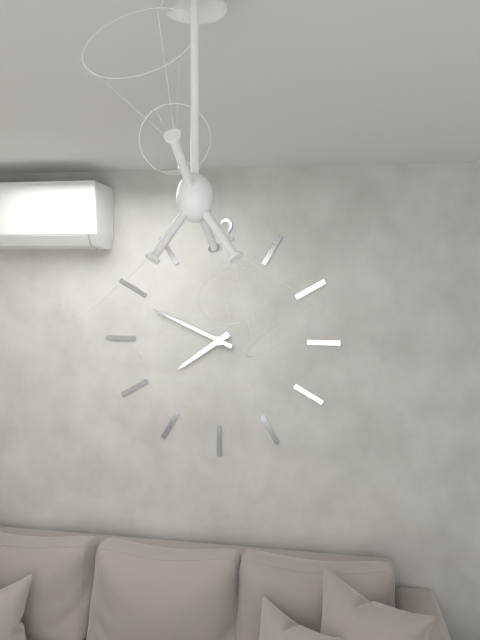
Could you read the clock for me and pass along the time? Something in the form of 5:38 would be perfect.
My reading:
7:49
